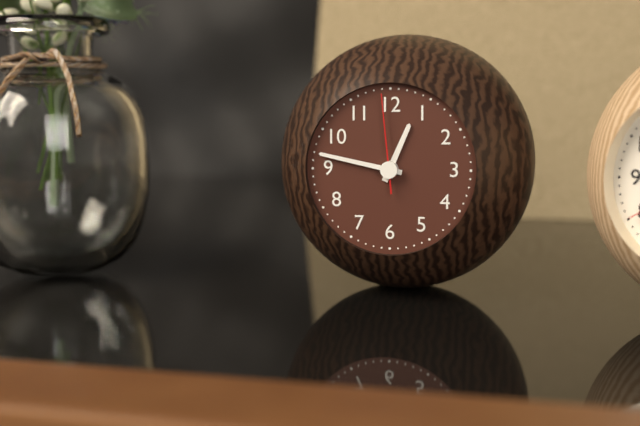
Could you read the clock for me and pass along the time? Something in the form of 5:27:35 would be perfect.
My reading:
12:47:59
